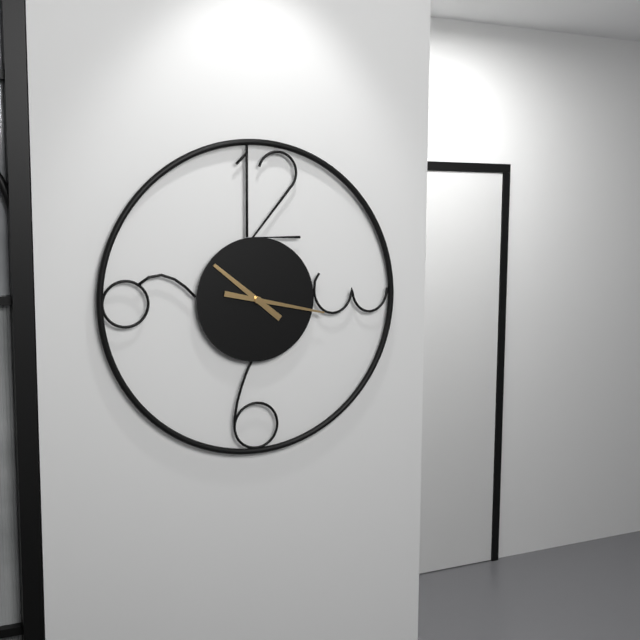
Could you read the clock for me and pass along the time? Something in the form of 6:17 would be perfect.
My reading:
10:17
